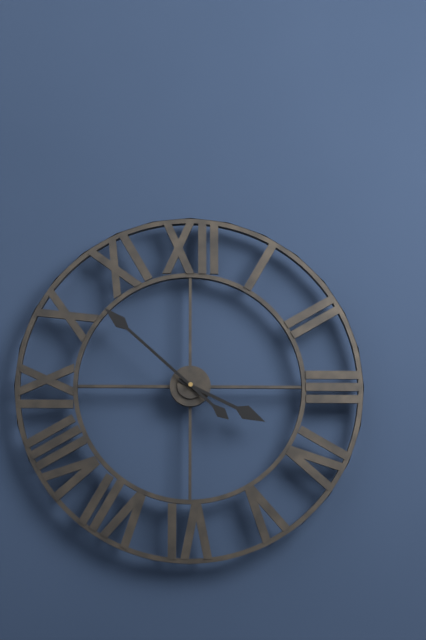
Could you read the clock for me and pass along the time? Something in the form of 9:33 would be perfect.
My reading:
3:52
